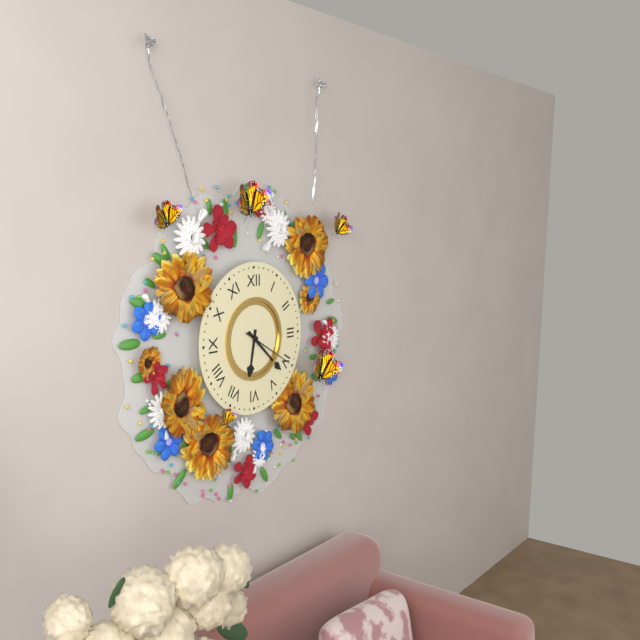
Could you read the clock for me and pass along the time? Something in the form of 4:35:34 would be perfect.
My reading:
6:22:20
